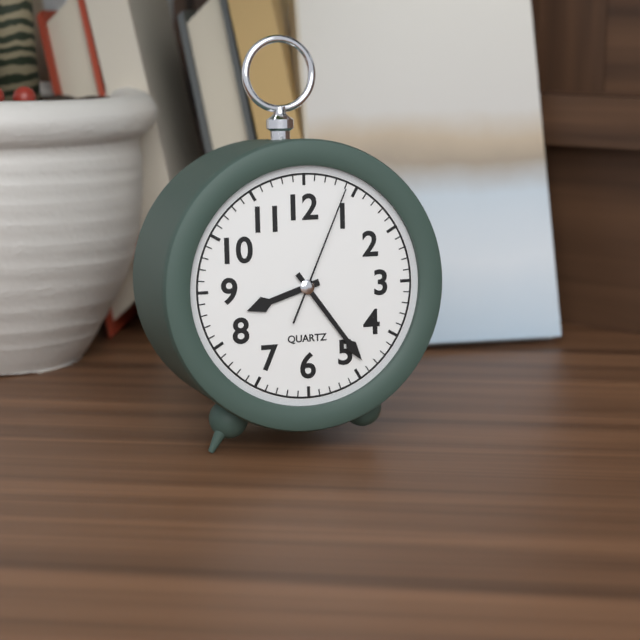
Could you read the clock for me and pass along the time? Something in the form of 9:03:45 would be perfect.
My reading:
8:24:04
